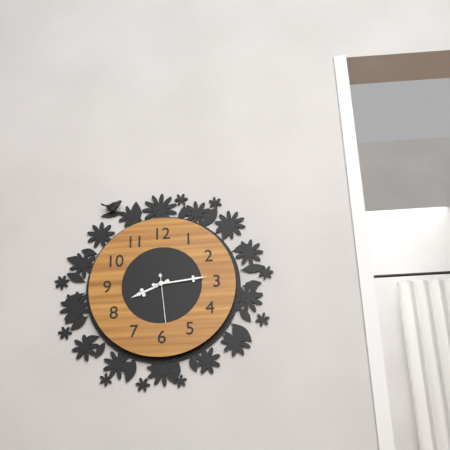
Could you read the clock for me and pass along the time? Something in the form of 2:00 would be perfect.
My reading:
8:14
